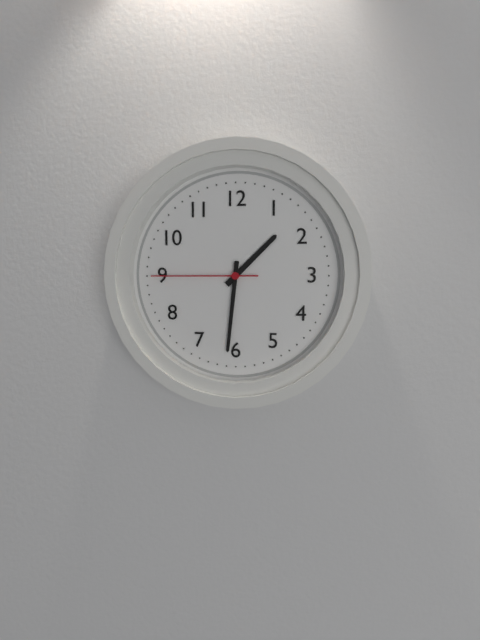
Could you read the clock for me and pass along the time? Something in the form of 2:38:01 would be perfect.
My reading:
1:31:45
